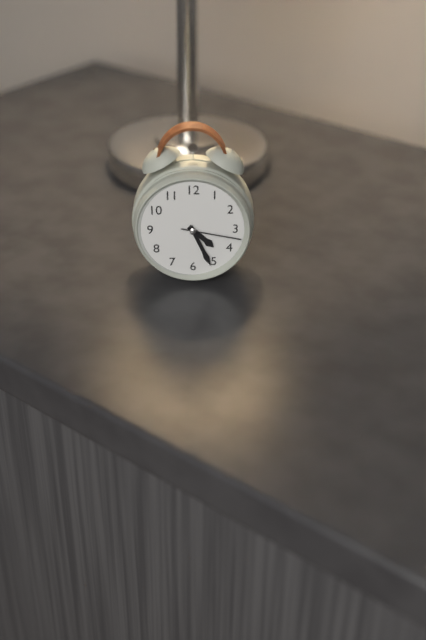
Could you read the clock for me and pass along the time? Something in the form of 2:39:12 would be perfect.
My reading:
4:26:17
